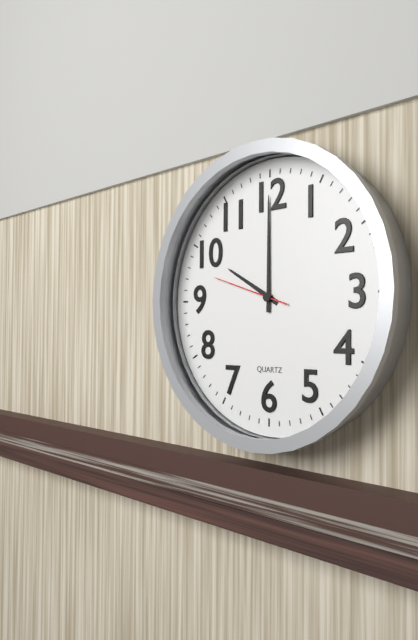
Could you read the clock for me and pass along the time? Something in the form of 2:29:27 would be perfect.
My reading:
10:00:48
